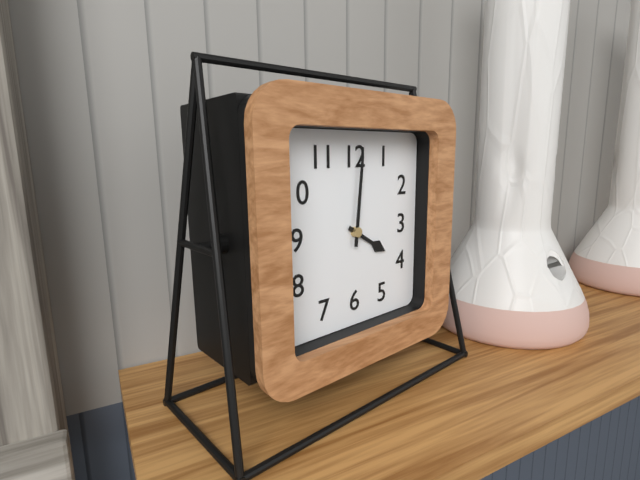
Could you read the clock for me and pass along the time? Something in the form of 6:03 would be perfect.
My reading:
4:01
